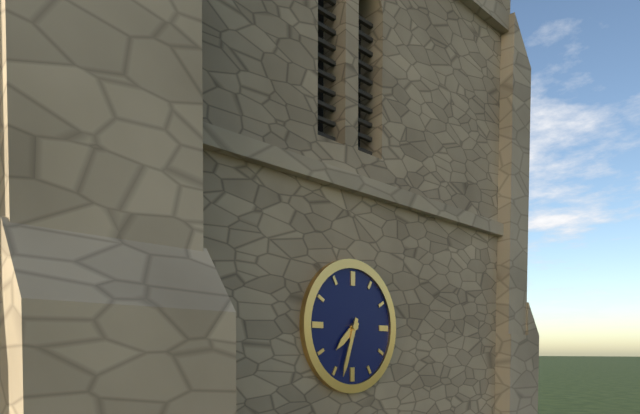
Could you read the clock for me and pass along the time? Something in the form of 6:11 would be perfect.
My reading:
7:33
